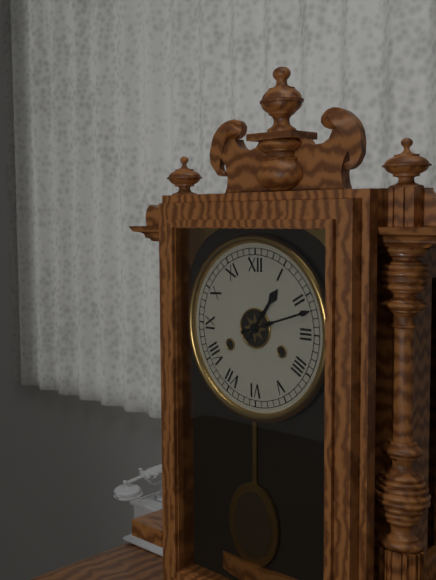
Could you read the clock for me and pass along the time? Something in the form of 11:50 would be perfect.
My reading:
1:12
